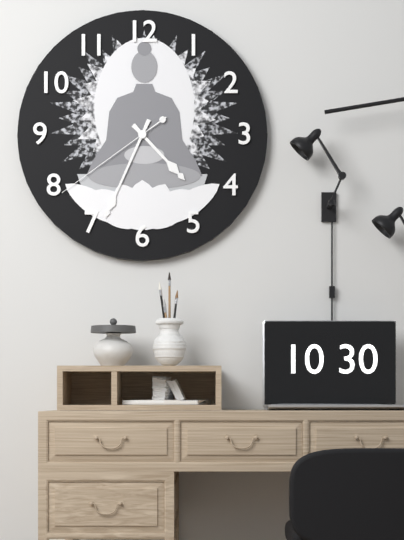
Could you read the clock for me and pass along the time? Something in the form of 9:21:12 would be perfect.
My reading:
4:34:39
